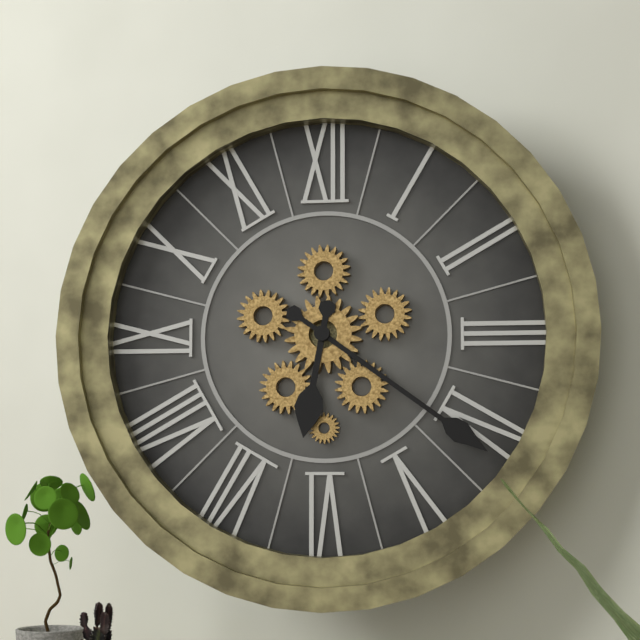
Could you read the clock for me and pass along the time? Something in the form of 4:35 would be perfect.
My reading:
6:21
